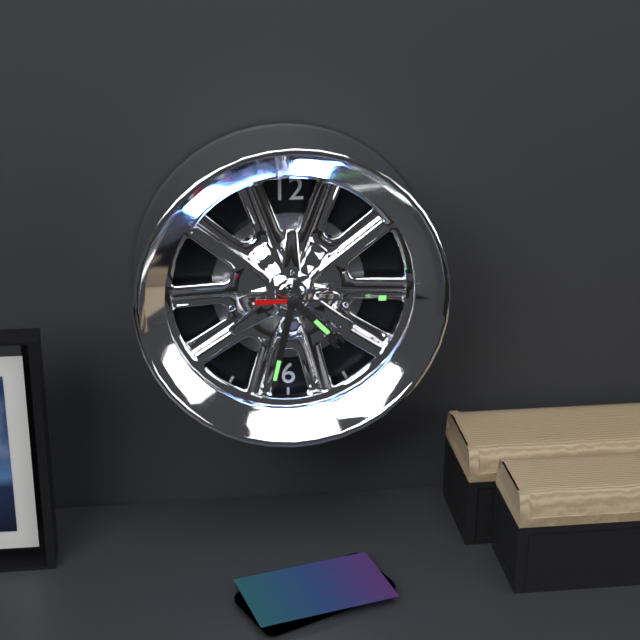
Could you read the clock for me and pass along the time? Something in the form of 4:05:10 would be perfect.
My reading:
4:32:15
